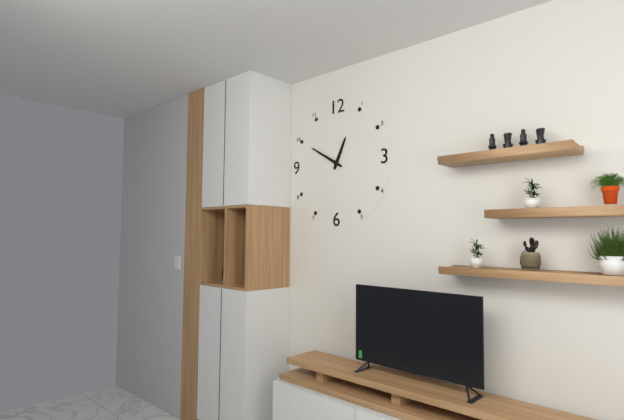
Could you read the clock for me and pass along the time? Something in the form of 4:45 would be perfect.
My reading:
12:50
